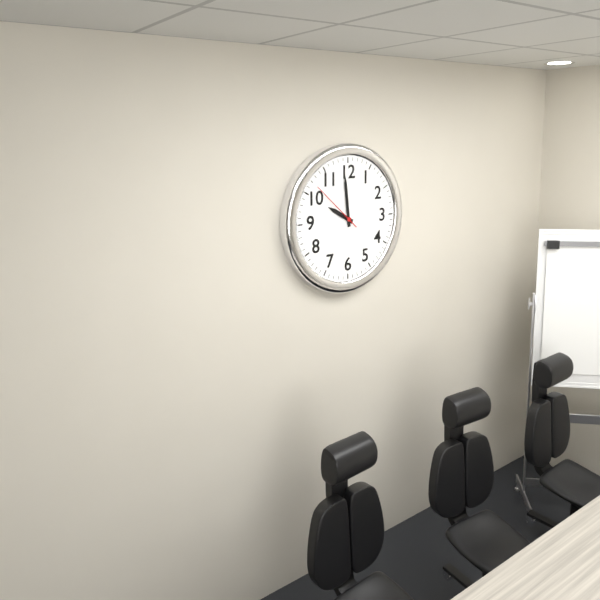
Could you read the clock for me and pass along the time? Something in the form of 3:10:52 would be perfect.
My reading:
9:59:52
